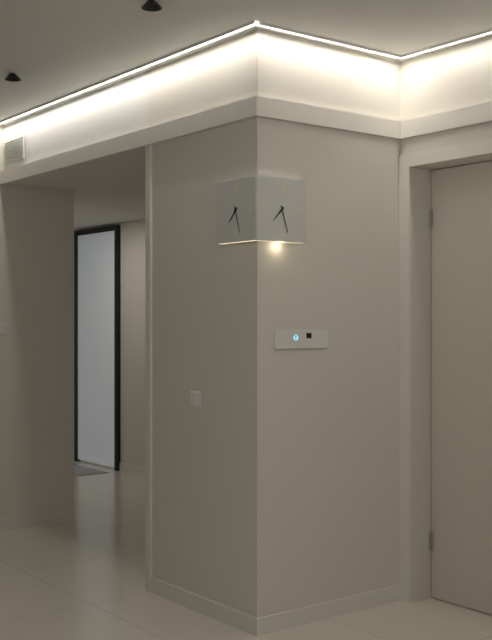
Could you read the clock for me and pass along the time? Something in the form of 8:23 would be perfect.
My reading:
7:27
